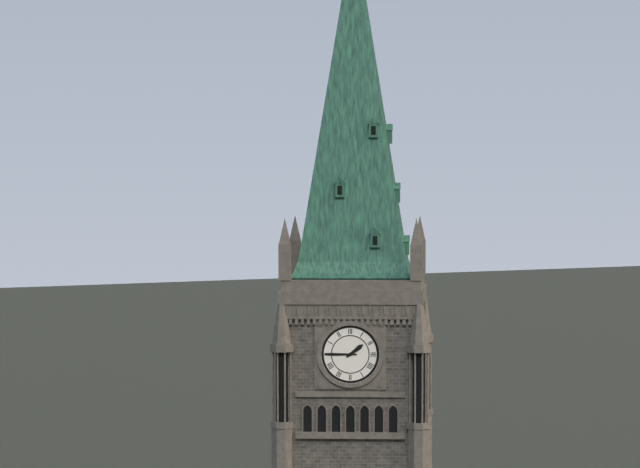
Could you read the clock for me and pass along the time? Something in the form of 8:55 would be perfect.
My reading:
1:45
